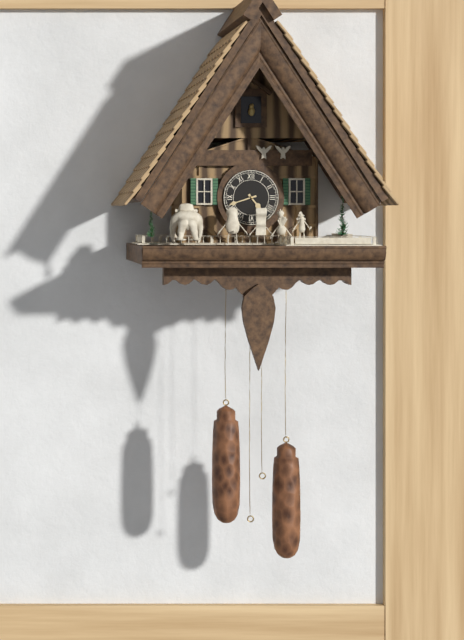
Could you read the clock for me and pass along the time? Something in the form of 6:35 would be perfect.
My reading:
4:42
